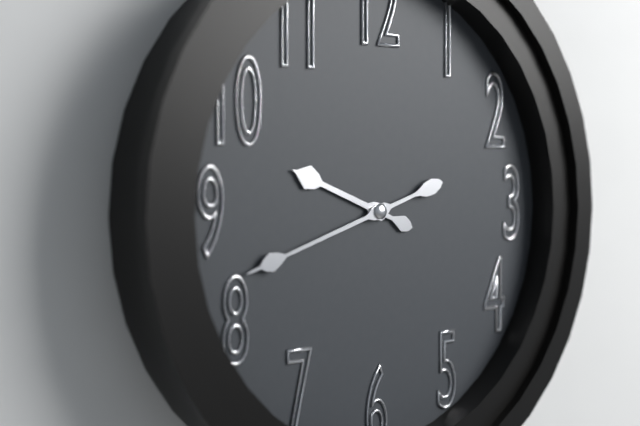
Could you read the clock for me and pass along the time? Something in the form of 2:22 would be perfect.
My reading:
9:42
